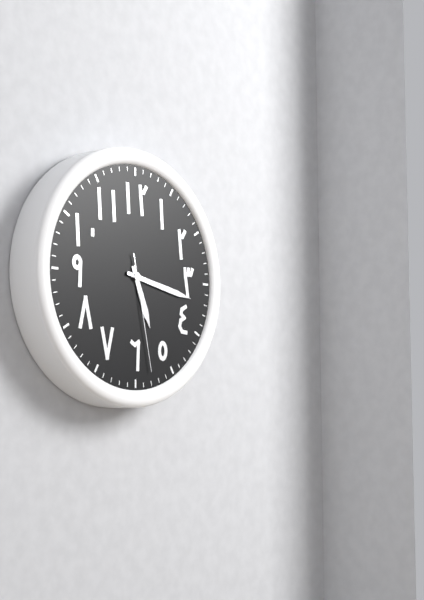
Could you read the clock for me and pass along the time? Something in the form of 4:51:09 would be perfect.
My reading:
5:17:28
